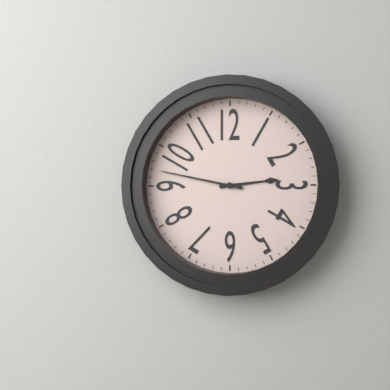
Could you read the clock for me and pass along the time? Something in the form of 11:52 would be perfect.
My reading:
2:47
